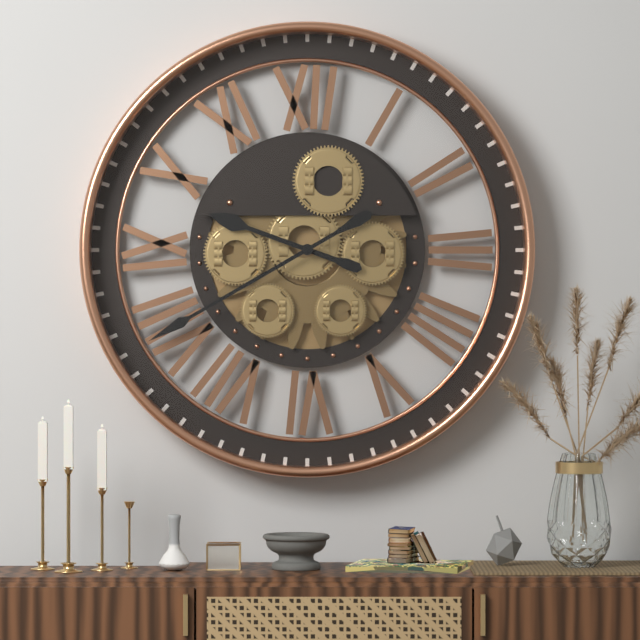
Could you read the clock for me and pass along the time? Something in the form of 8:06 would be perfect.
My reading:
9:40
